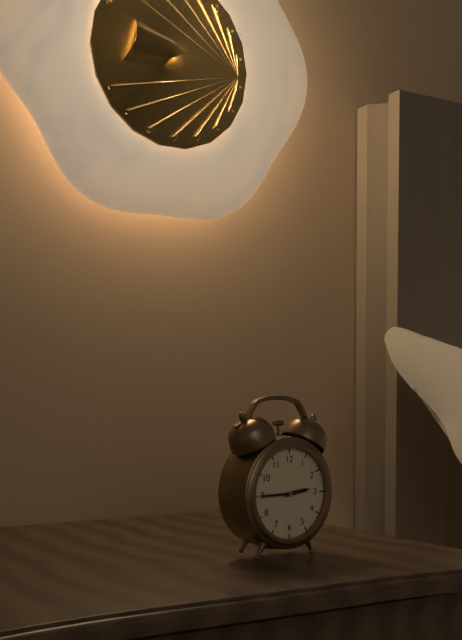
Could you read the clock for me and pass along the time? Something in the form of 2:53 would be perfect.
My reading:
2:45
